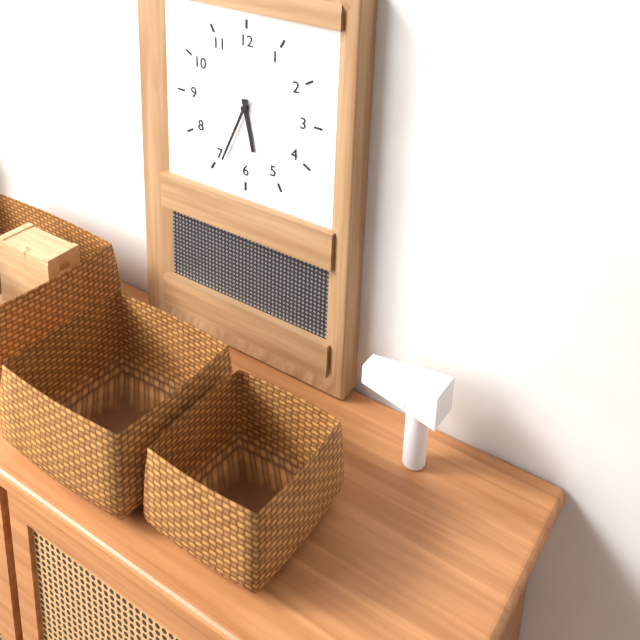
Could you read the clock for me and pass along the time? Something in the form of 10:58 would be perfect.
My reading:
5:34
